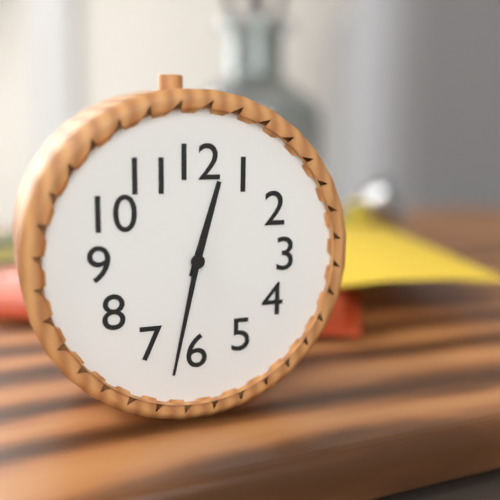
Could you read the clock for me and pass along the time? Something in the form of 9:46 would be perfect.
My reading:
12:32
